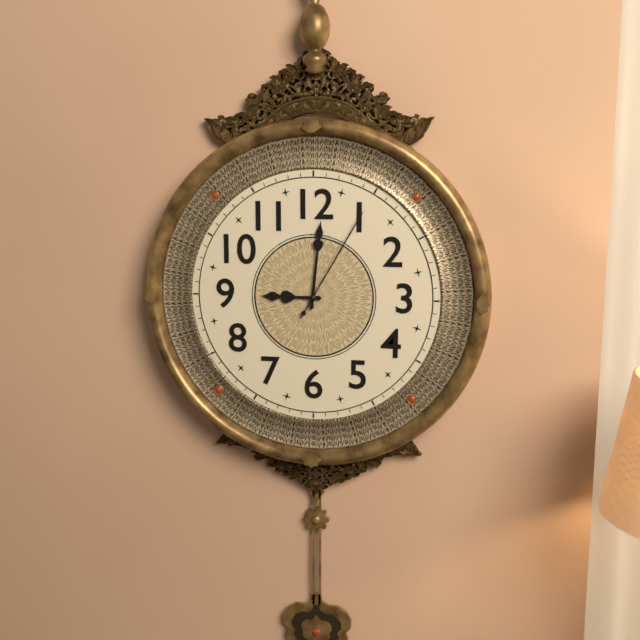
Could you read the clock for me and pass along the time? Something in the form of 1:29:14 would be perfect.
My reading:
9:01:05
